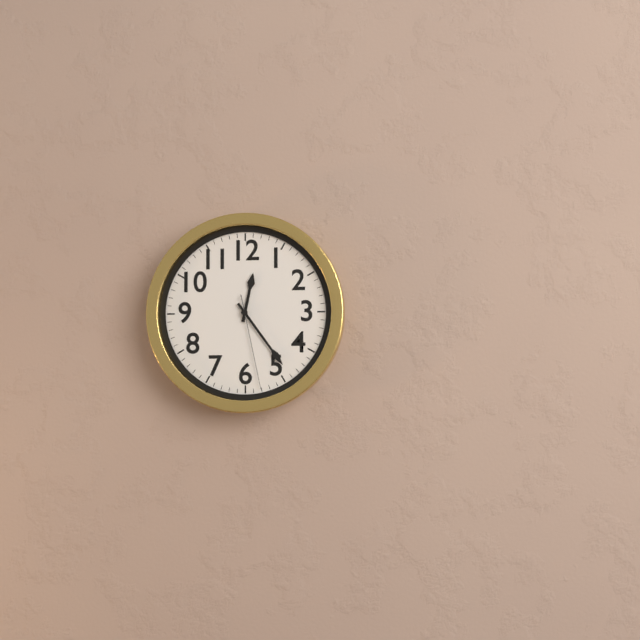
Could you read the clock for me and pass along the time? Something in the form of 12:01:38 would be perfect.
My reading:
12:24:28
